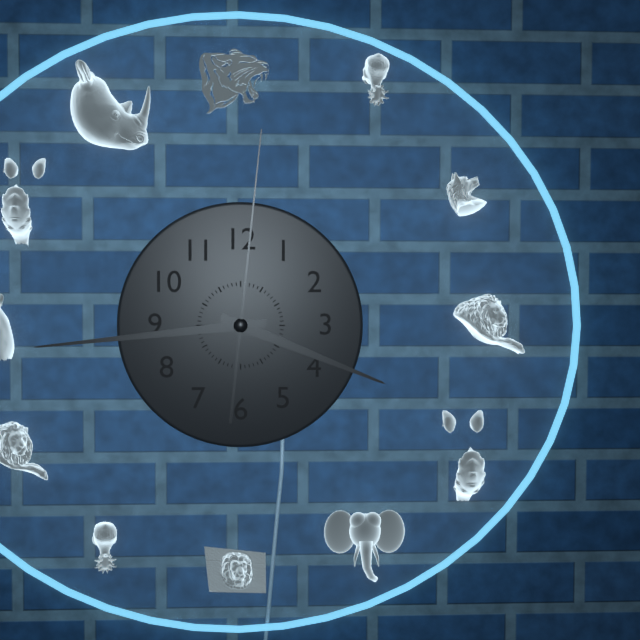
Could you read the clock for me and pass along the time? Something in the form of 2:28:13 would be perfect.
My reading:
3:44:01
